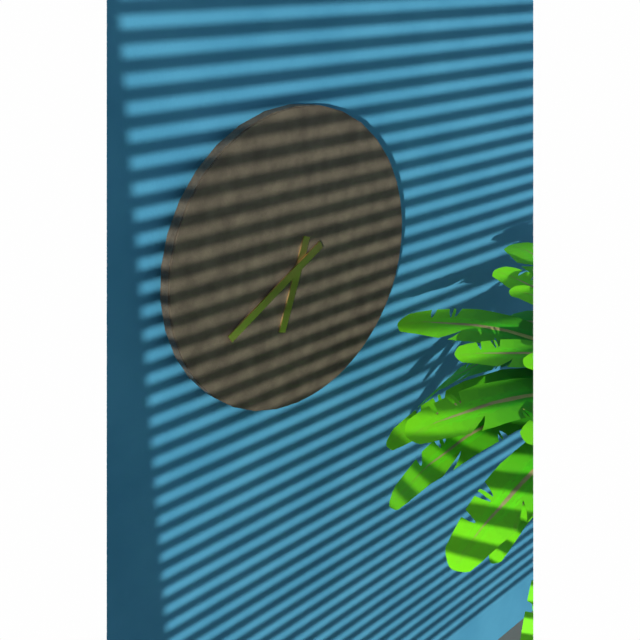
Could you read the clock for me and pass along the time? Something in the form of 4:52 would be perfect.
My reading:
6:40
